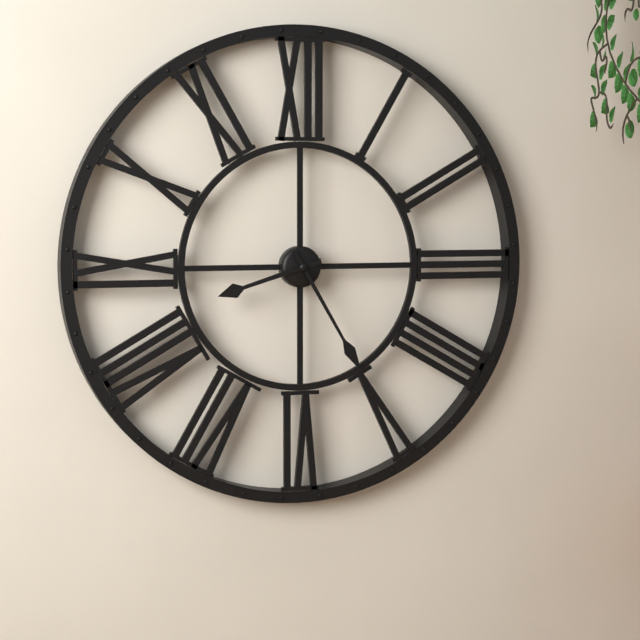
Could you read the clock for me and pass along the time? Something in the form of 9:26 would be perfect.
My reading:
8:25
